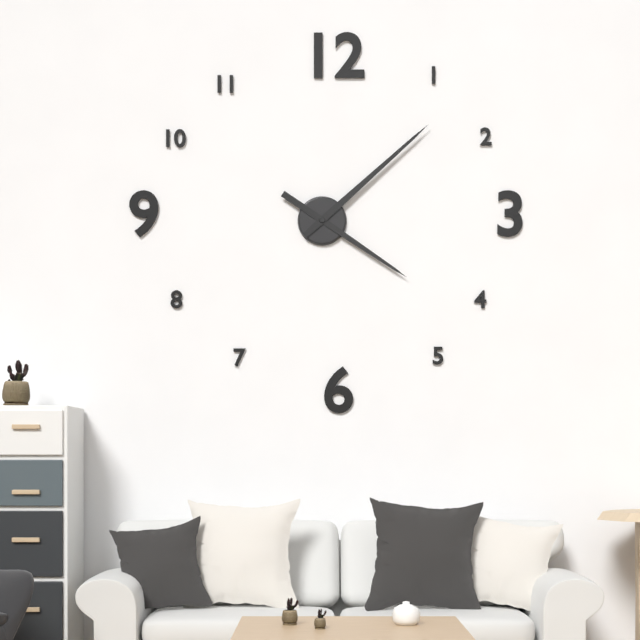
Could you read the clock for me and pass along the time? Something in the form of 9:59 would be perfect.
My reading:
4:08
